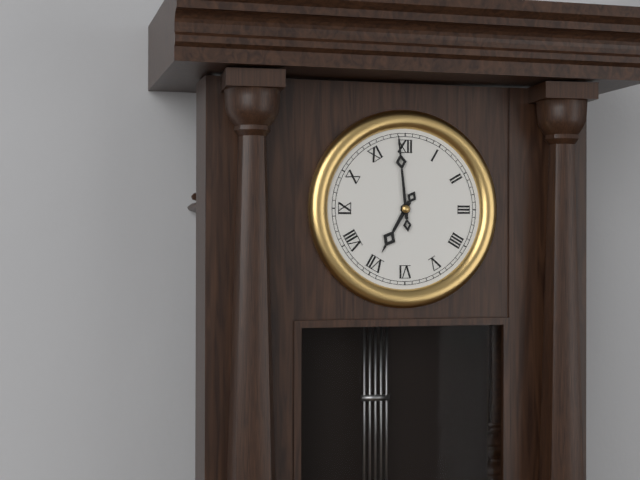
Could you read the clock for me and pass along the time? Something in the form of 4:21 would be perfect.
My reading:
6:59
